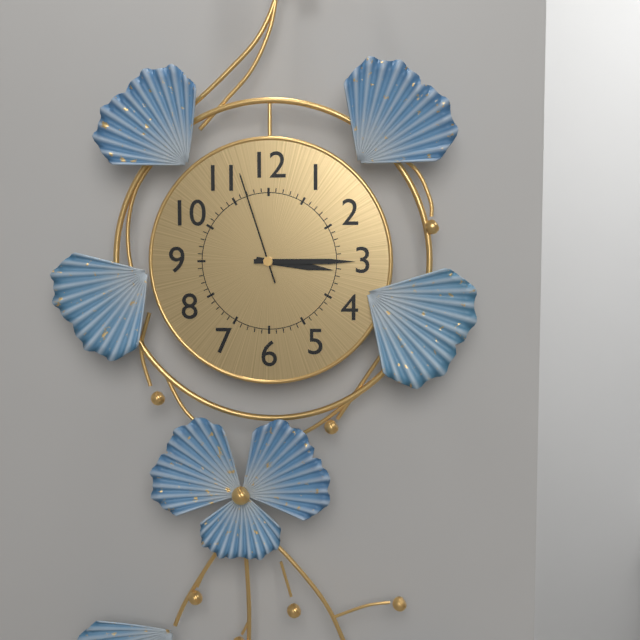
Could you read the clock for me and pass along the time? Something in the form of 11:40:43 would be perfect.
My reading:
3:15:57
